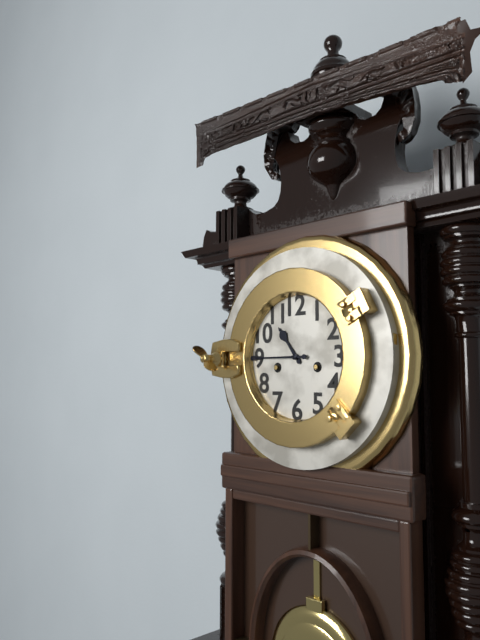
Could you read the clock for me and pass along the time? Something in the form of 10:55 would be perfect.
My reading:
10:45
